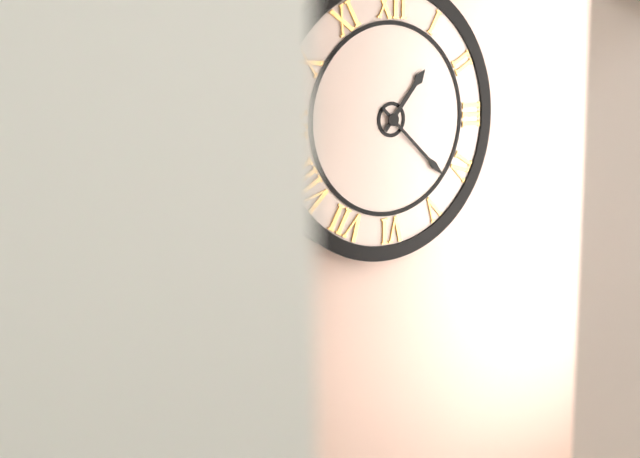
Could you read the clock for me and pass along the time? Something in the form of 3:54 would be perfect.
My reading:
1:22
